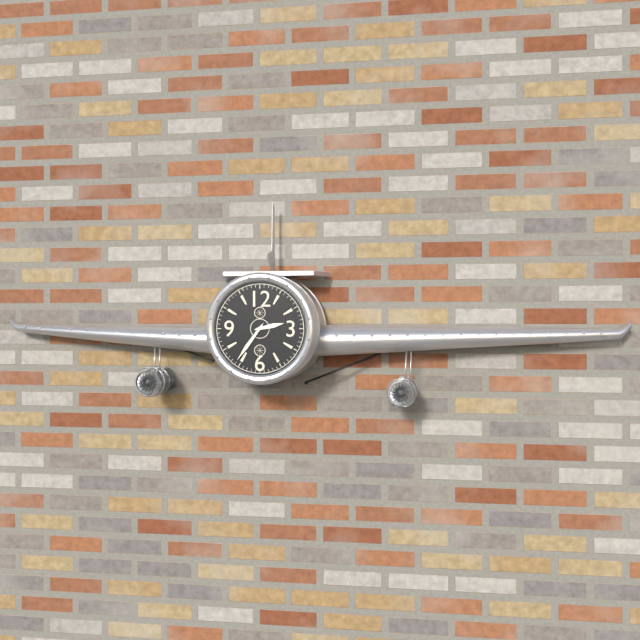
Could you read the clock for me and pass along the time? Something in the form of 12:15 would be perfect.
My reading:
2:36
